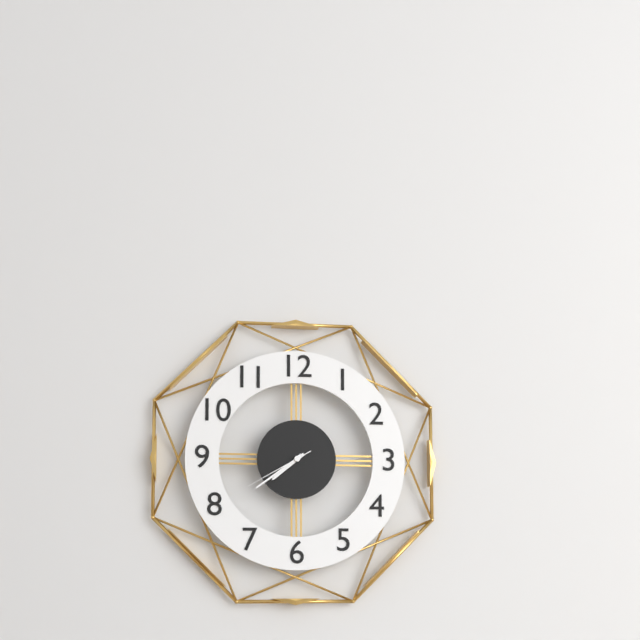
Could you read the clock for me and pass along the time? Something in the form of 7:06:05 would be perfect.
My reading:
7:39:40
